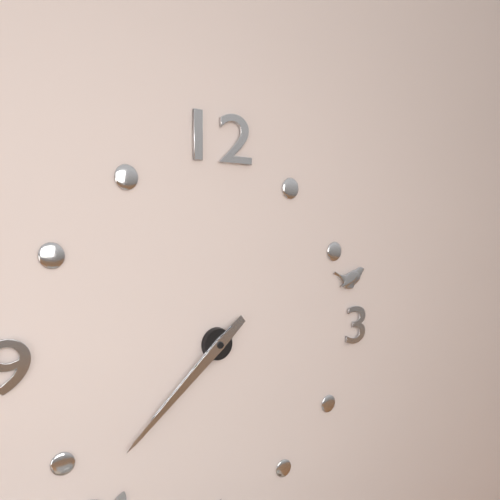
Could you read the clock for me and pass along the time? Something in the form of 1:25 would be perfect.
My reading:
7:38
